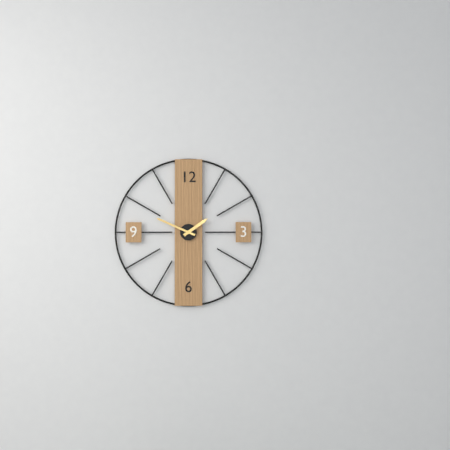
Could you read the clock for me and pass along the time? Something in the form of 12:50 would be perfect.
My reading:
1:49
